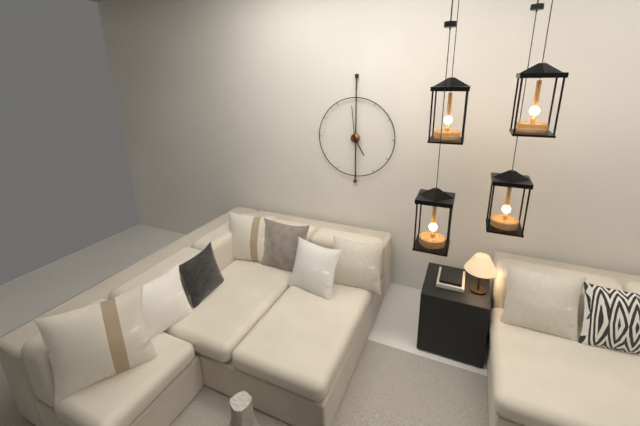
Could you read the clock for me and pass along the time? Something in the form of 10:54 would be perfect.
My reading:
4:59
